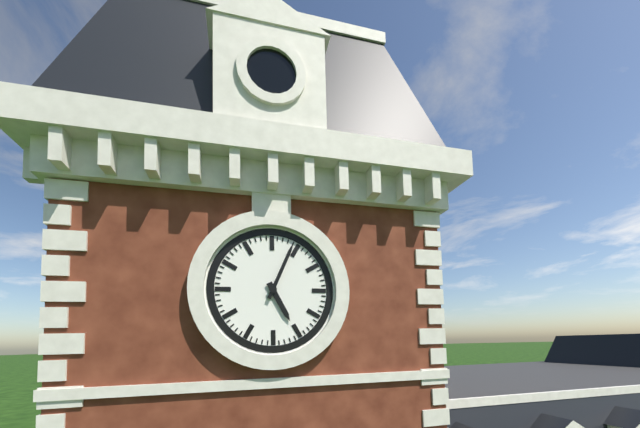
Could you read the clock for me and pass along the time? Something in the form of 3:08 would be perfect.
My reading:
5:04
